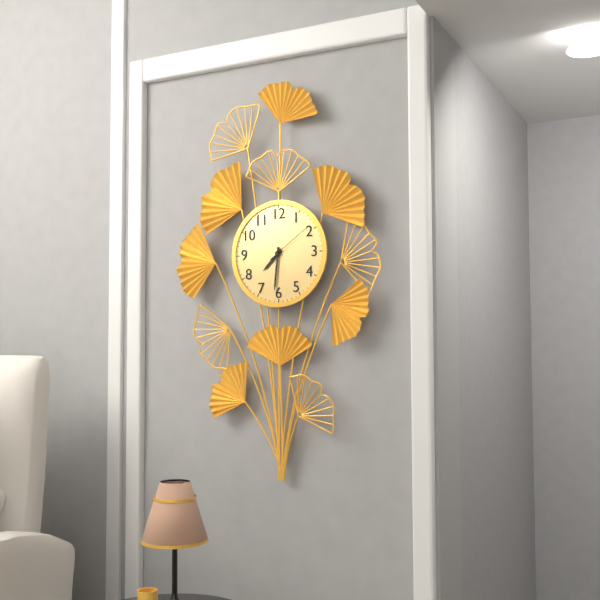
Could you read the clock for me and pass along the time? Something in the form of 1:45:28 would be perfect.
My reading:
7:31:09
